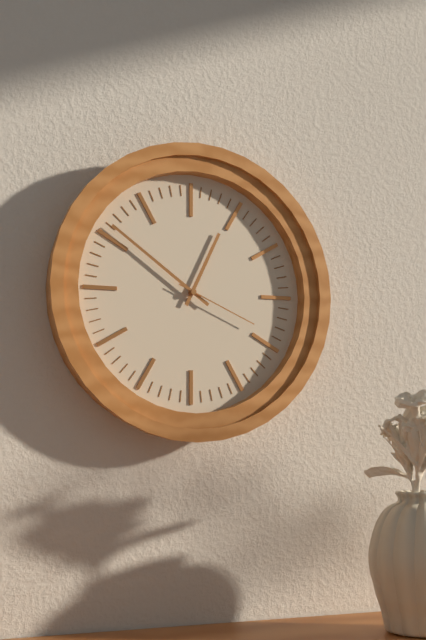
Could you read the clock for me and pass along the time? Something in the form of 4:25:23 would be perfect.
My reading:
12:51:19
